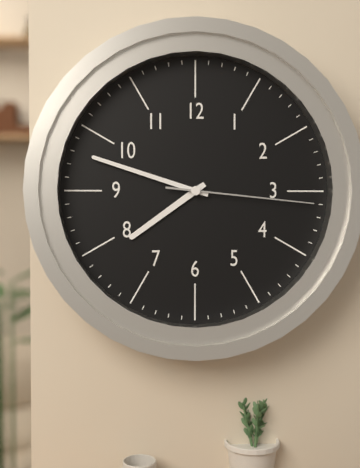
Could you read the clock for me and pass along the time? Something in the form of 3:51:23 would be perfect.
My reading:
7:48:16
